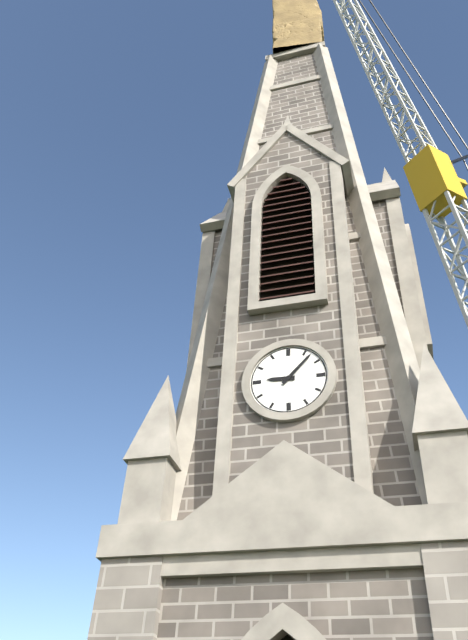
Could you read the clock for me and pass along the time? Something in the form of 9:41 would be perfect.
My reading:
9:07
